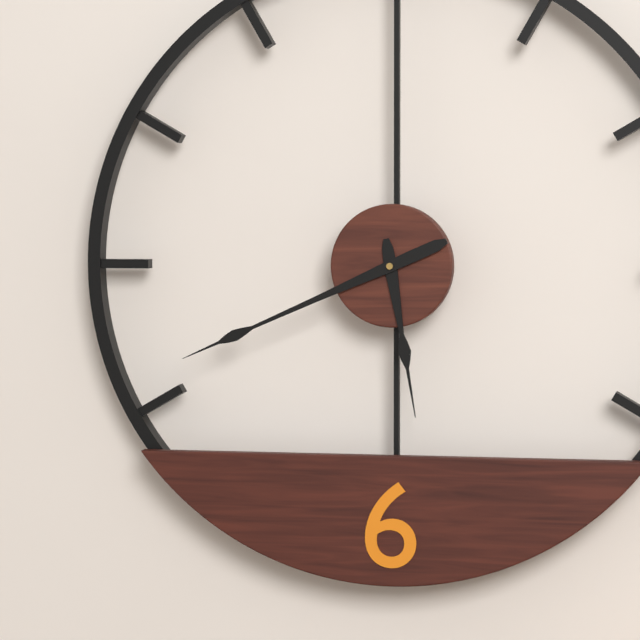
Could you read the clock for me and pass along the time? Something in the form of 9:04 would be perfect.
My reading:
5:41
